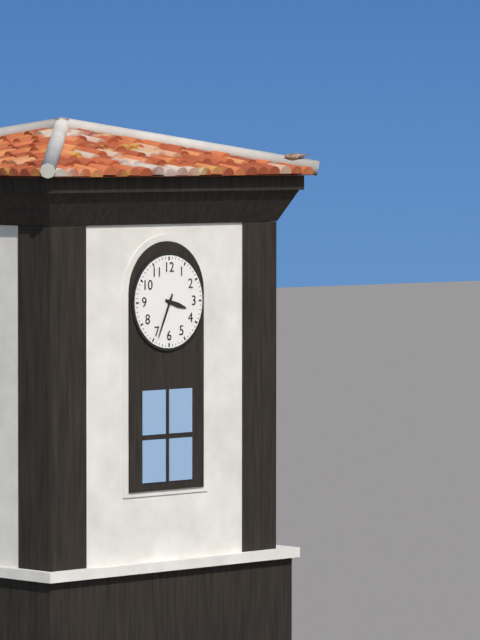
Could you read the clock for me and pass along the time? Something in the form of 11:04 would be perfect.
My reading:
3:34
